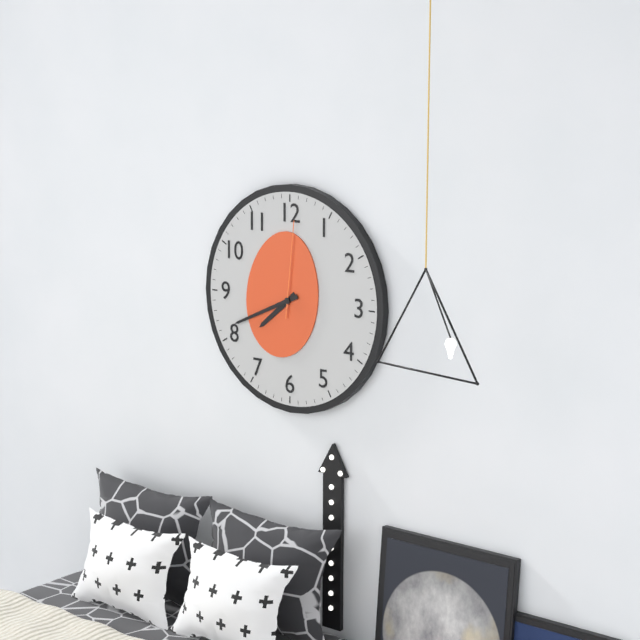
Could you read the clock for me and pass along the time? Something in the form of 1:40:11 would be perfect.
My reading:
7:41:01
